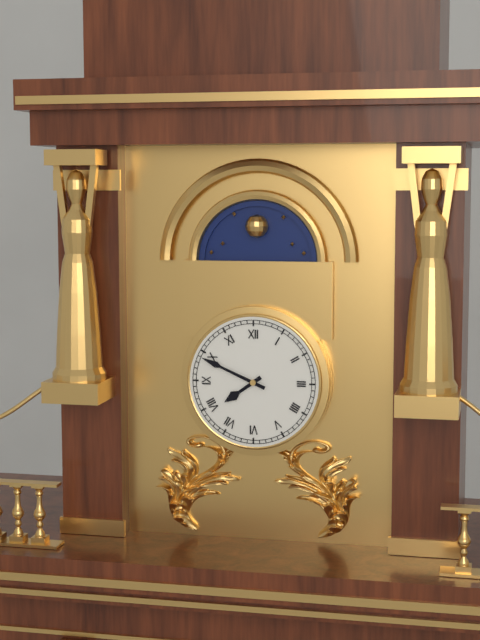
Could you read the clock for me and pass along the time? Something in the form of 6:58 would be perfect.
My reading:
7:49
